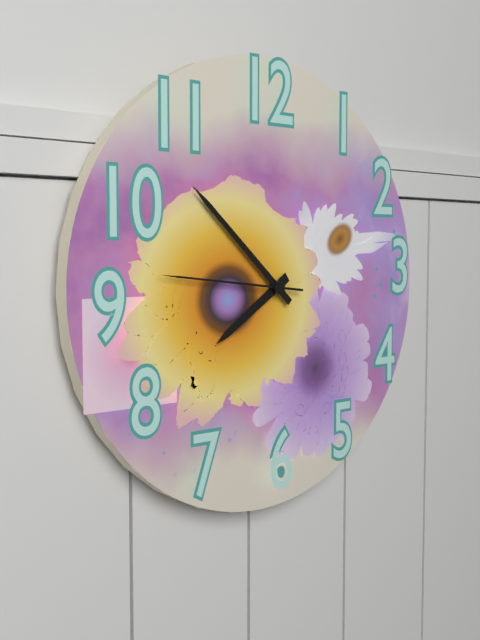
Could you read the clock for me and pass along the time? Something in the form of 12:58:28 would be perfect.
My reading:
7:52:46
